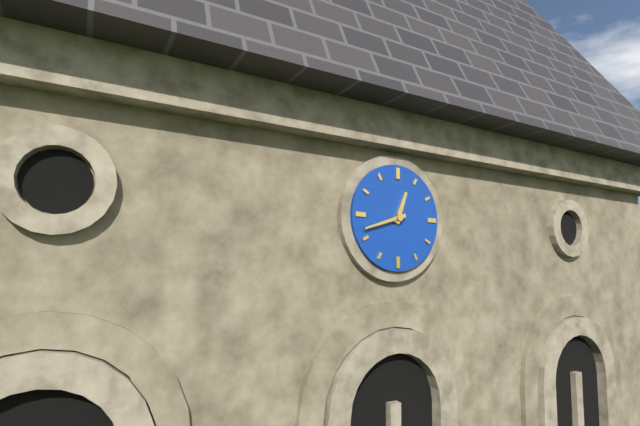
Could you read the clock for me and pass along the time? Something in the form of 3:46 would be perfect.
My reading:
12:42
